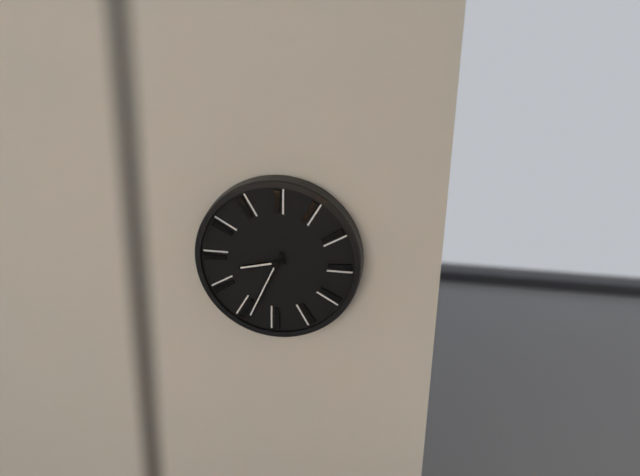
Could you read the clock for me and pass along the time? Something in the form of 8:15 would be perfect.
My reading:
8:34
